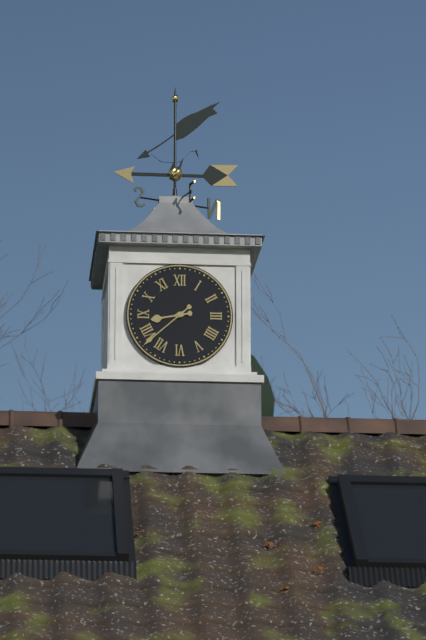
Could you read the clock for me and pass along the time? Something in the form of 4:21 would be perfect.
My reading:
8:38
